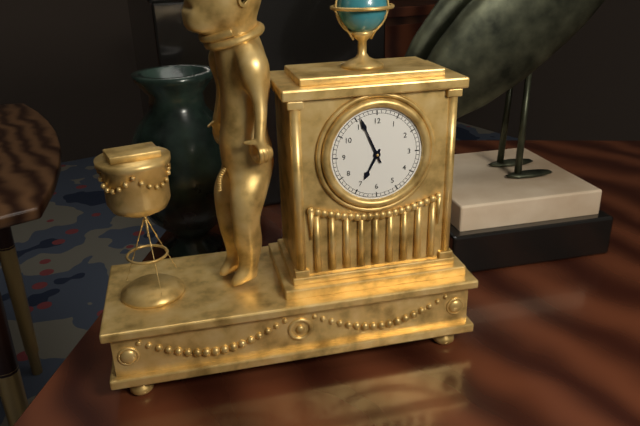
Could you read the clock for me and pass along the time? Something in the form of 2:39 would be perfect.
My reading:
6:56
